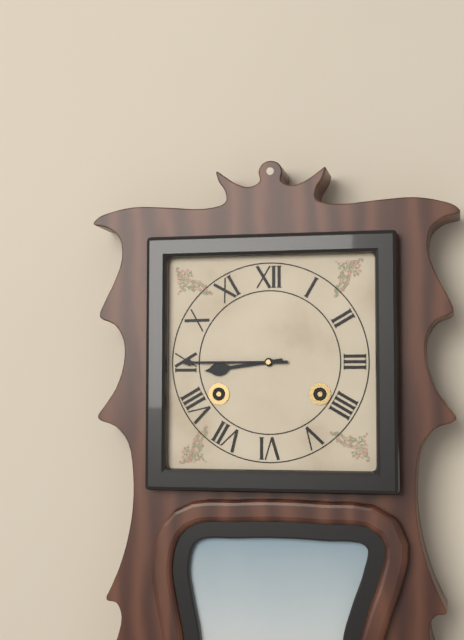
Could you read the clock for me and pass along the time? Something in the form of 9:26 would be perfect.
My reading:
8:45
